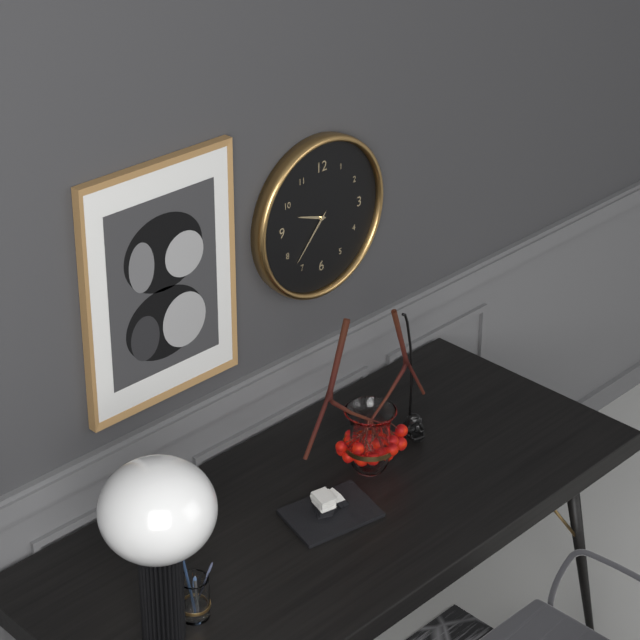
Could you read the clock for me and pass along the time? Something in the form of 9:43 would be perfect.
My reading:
9:37
